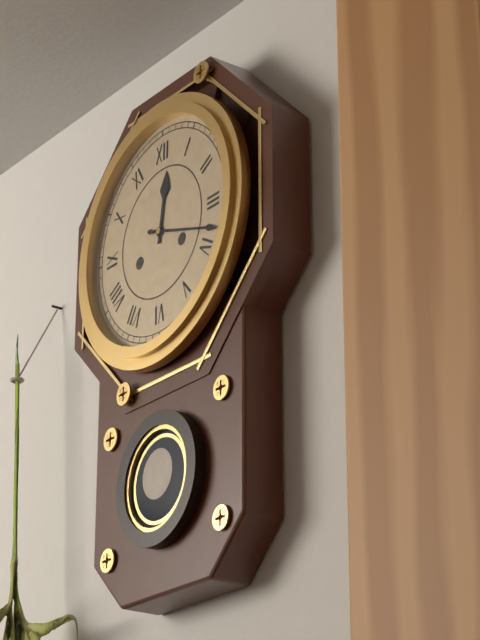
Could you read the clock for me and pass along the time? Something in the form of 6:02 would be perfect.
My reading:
12:18
